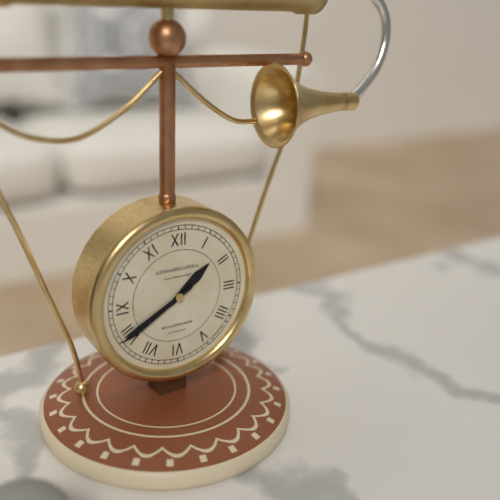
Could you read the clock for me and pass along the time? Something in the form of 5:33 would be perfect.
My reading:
1:40
